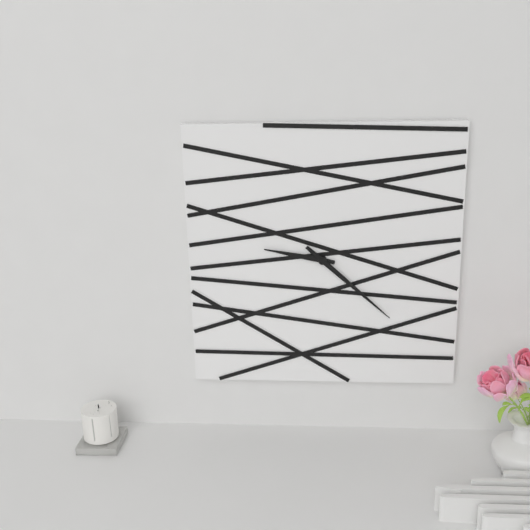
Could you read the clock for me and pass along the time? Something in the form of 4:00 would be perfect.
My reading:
9:22
